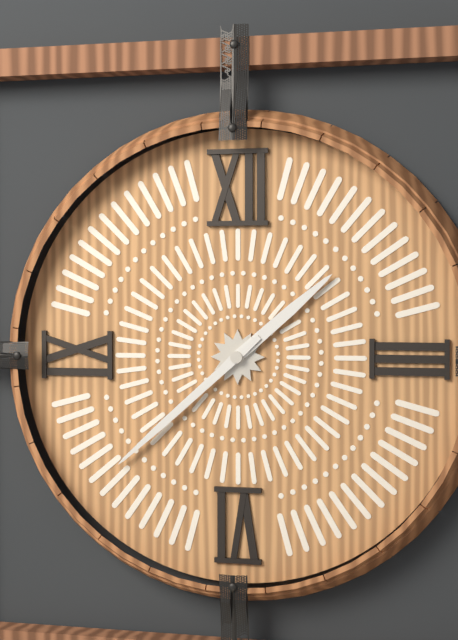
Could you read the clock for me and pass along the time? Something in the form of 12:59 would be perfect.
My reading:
1:38
